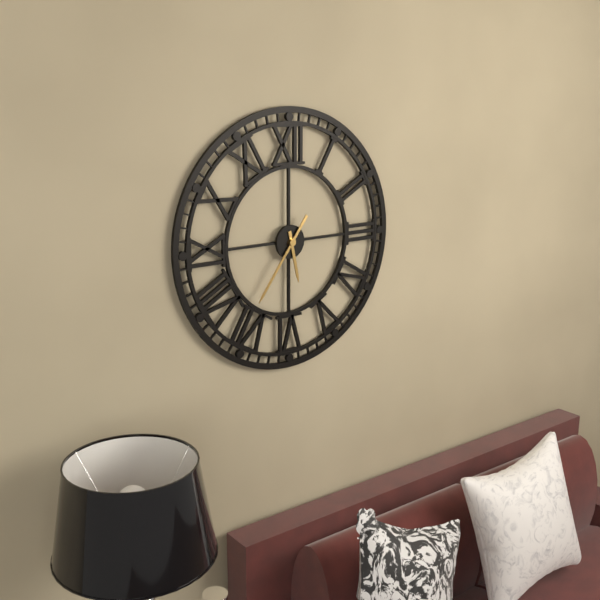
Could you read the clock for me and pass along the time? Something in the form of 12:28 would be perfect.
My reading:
5:36
